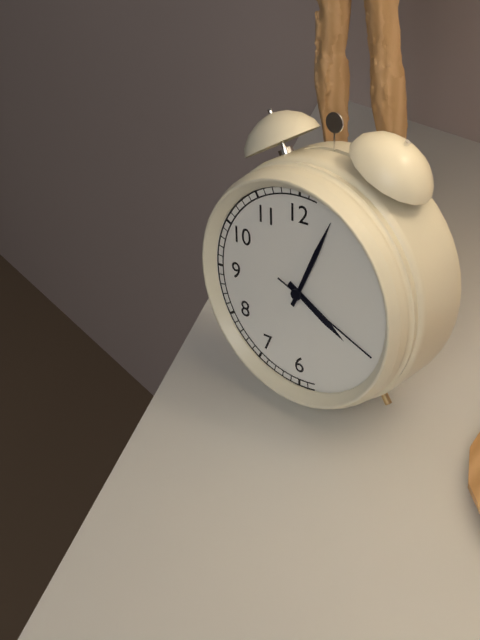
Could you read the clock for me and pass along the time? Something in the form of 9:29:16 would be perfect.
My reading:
4:04:19
